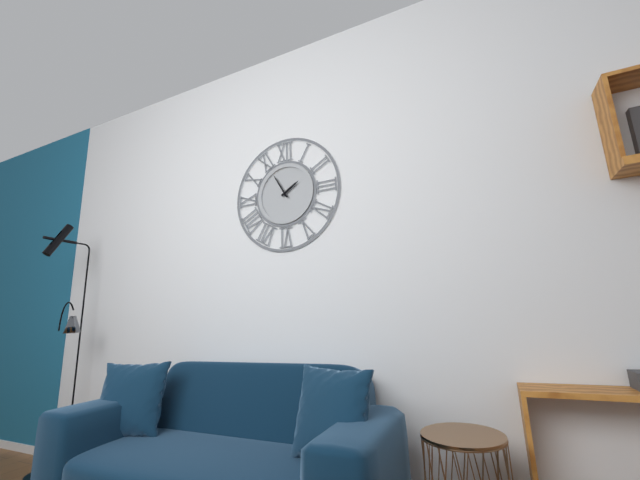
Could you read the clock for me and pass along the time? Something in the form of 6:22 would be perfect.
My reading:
1:55
